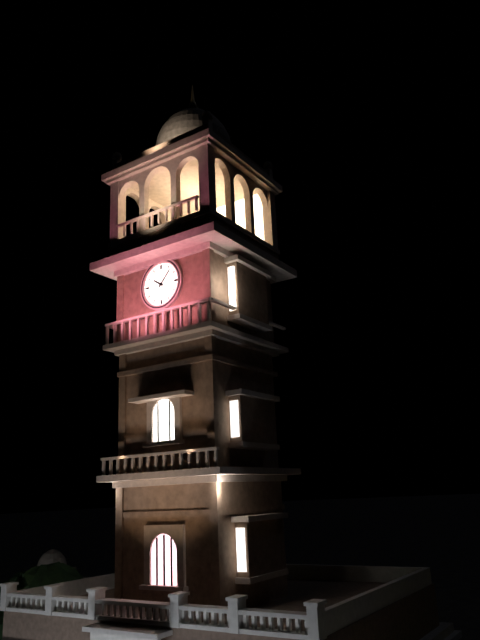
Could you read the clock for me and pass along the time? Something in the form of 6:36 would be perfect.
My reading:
10:07
